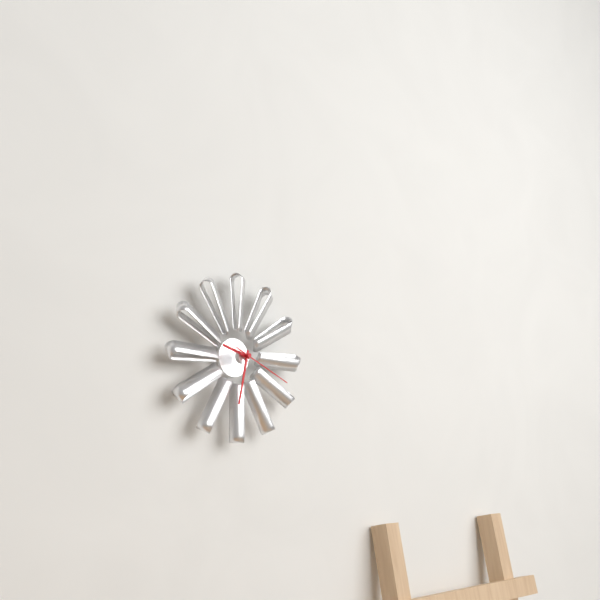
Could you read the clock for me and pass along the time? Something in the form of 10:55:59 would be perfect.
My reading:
9:32:19
